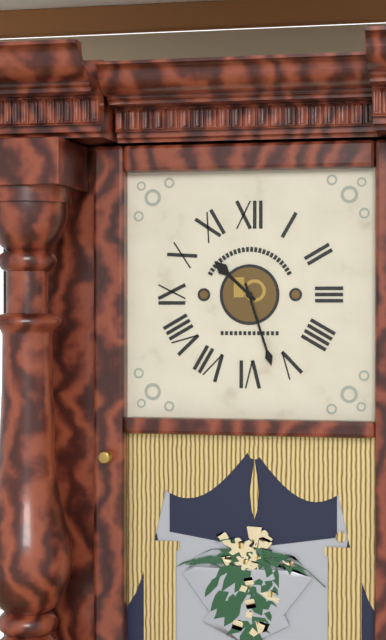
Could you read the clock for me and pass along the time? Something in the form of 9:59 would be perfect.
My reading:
10:27
